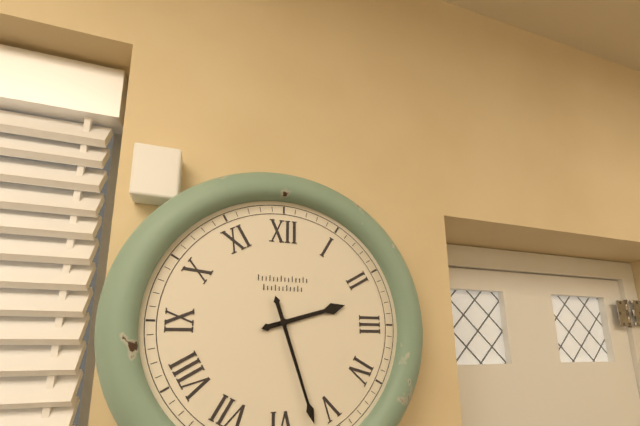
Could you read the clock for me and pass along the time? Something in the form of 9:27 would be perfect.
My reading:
2:27
